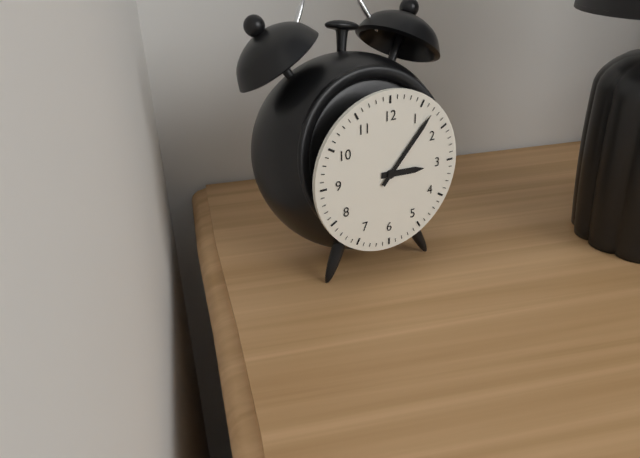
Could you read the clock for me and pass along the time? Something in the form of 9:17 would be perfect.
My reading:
3:07
